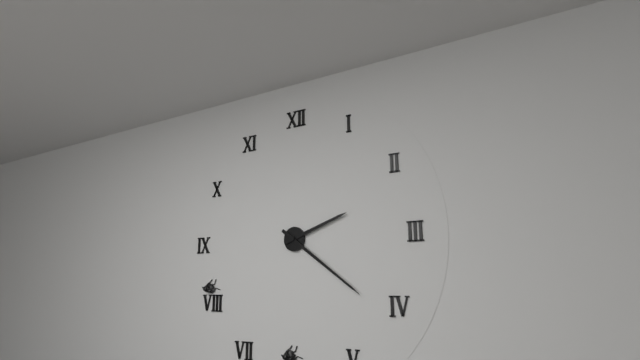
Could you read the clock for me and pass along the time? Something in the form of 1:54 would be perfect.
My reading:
2:21
